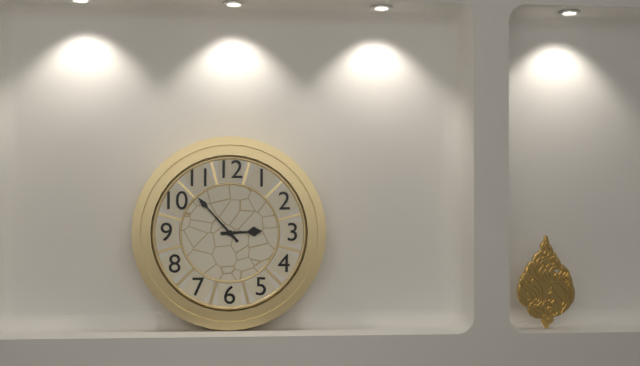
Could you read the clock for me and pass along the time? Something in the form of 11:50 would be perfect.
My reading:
2:53
